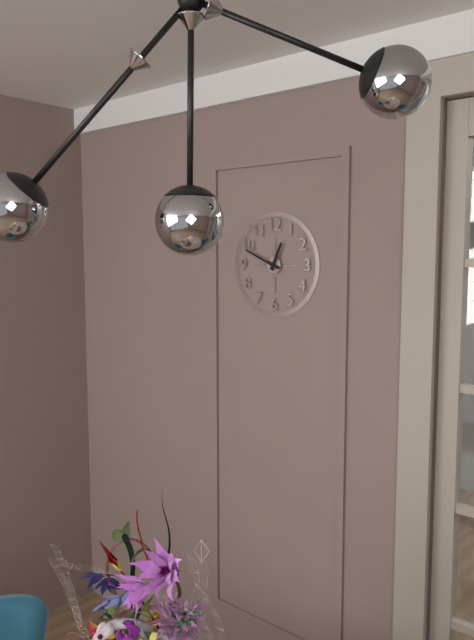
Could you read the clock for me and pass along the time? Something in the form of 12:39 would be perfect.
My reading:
12:49
